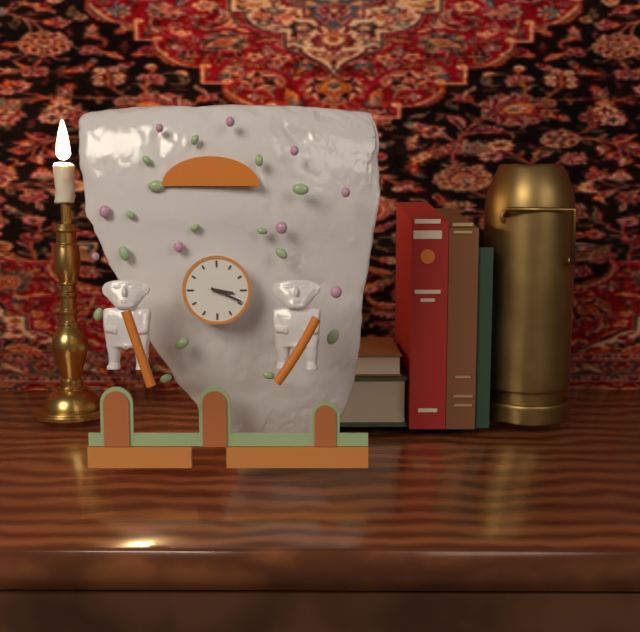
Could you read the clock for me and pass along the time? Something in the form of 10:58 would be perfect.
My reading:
3:19
